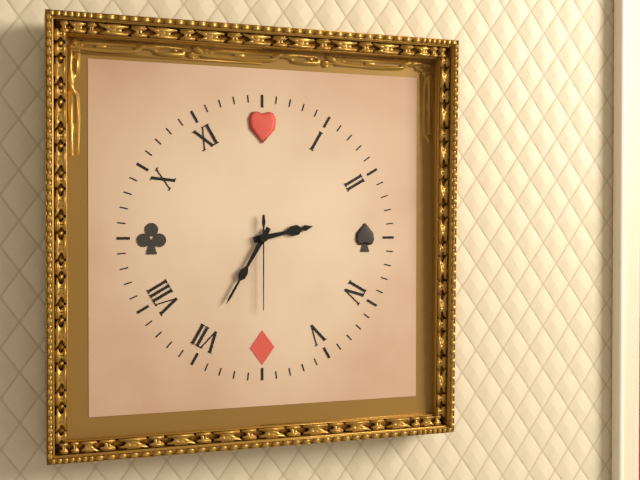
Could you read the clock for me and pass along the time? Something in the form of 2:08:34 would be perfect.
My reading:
2:35:30
